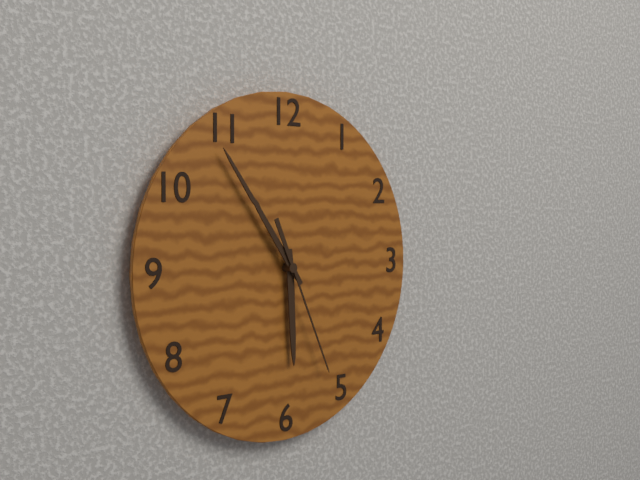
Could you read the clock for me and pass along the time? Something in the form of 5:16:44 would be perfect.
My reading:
5:54:26
